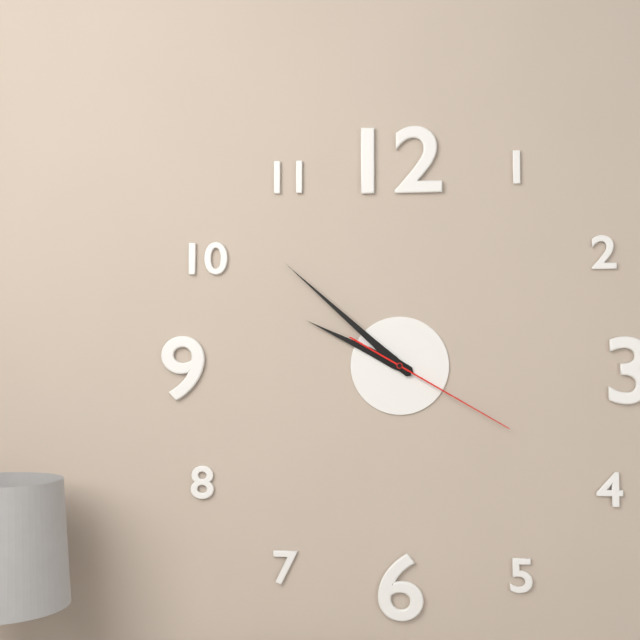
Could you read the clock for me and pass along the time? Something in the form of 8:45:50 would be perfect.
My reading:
9:52:20
